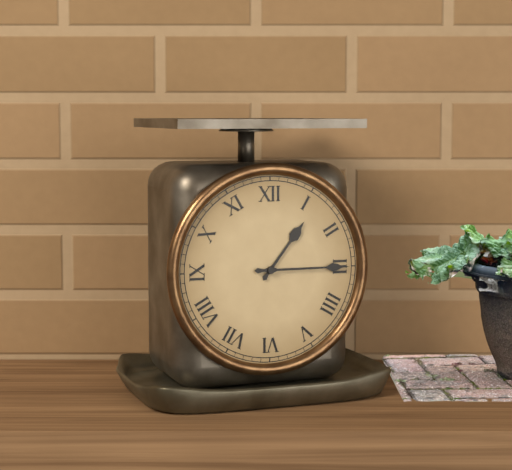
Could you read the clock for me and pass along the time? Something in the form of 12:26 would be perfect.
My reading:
1:15
